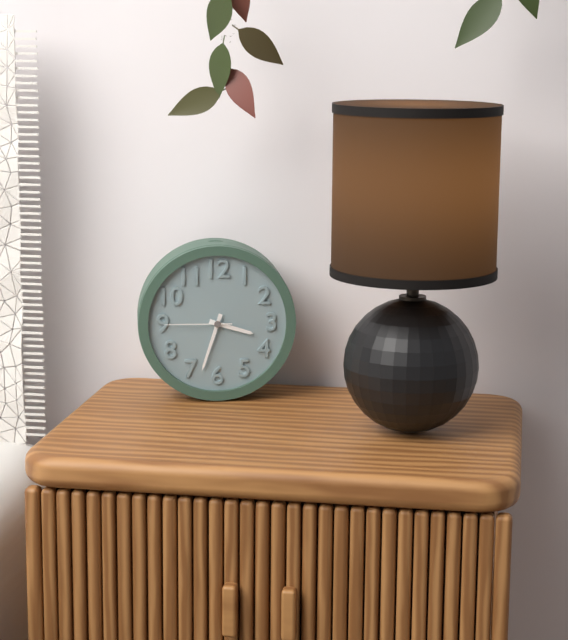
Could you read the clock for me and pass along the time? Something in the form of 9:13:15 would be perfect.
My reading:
3:33:45
